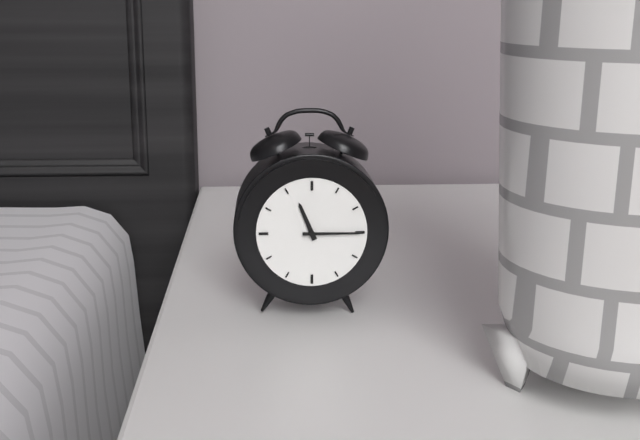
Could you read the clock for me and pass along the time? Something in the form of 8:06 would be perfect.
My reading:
11:15
